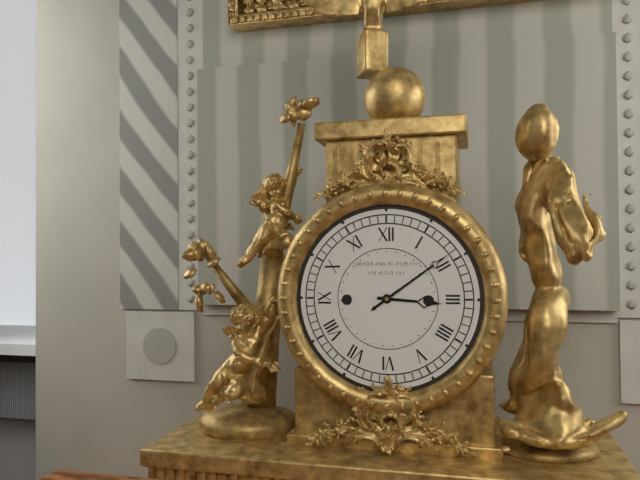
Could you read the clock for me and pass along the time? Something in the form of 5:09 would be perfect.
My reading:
3:09
